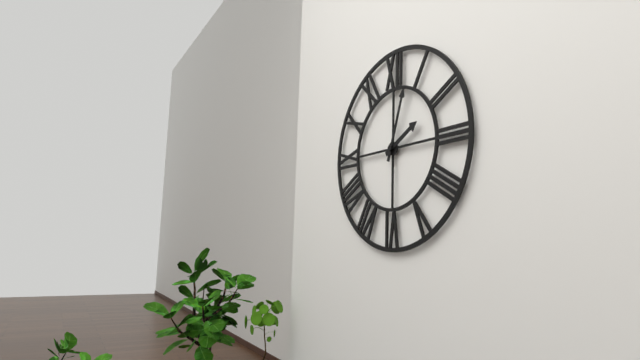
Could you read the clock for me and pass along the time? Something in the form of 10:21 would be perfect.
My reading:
2:03
